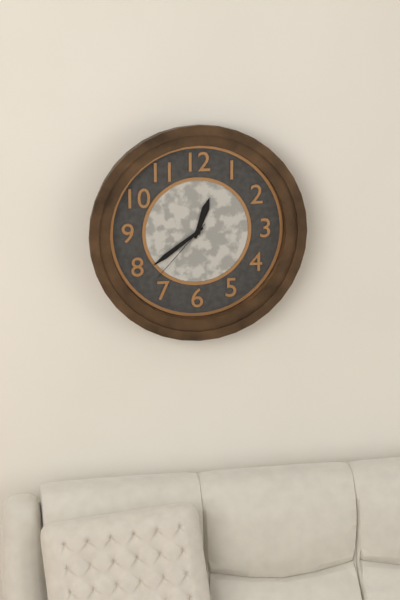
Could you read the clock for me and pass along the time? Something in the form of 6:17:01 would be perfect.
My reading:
12:39:37
